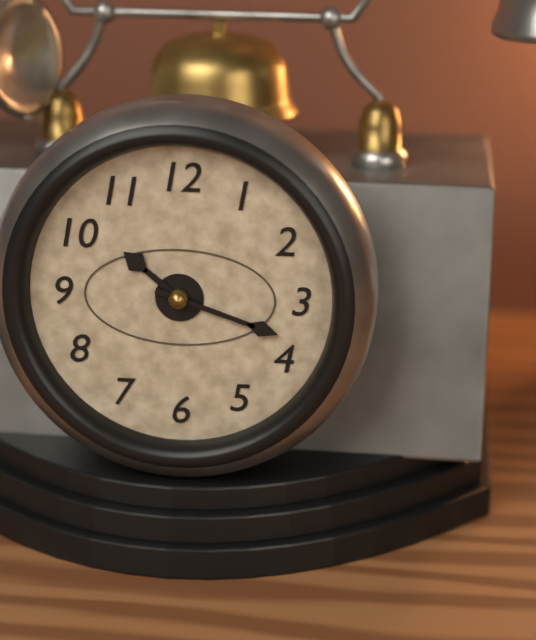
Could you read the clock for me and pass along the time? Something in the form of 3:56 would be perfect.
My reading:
10:18
